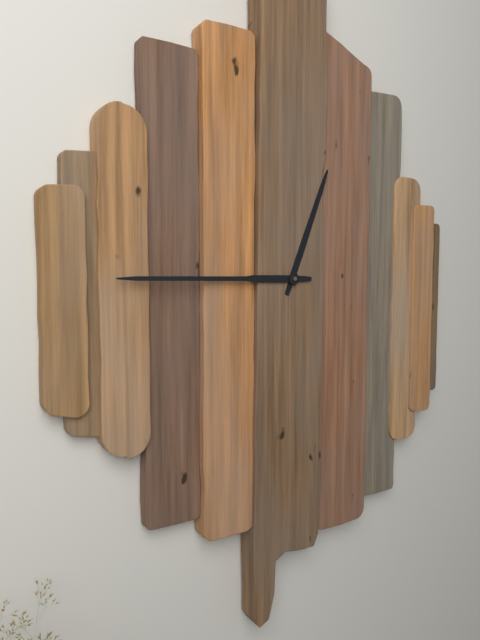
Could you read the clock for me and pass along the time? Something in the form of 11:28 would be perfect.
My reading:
12:45
